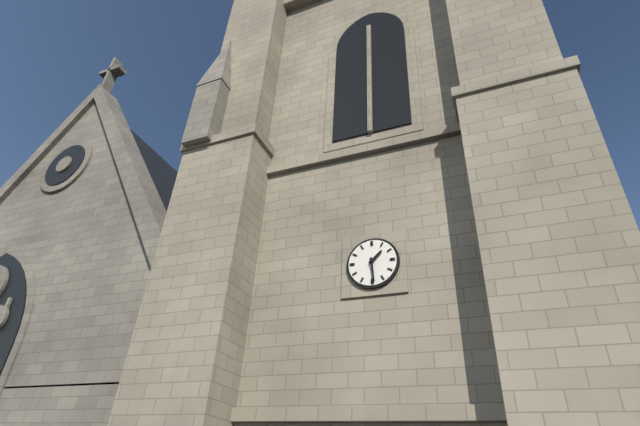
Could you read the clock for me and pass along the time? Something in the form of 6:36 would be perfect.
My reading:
1:29
